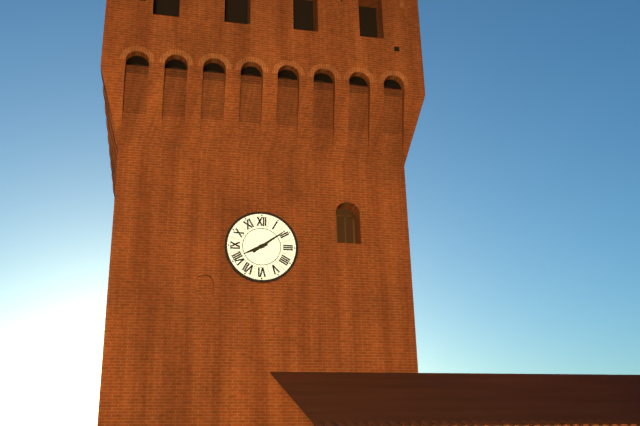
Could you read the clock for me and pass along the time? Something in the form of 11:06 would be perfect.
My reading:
8:09
